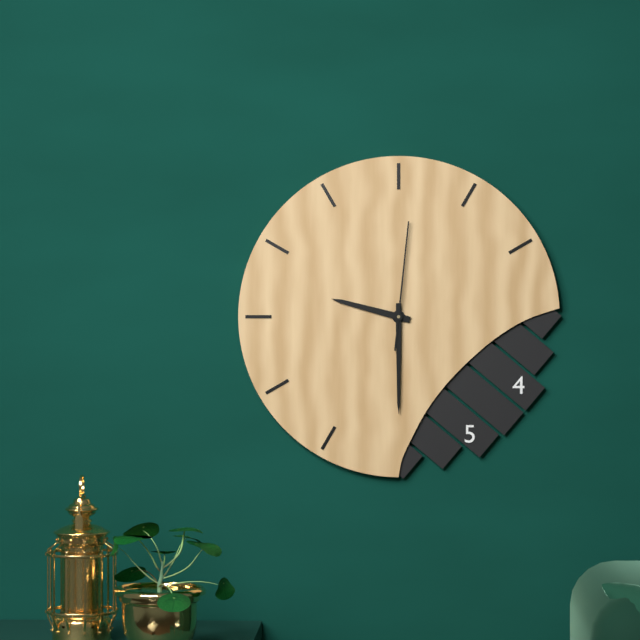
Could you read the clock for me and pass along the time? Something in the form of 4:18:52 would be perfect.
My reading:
9:30:01
